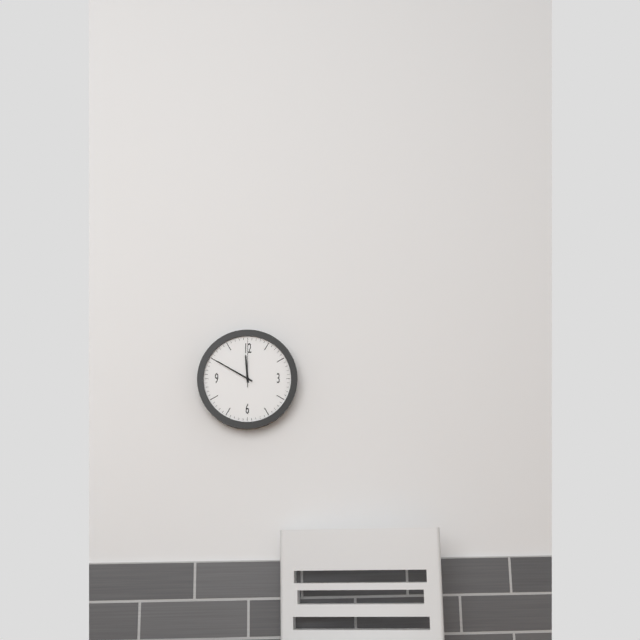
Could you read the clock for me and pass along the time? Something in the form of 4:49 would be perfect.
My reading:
11:50
